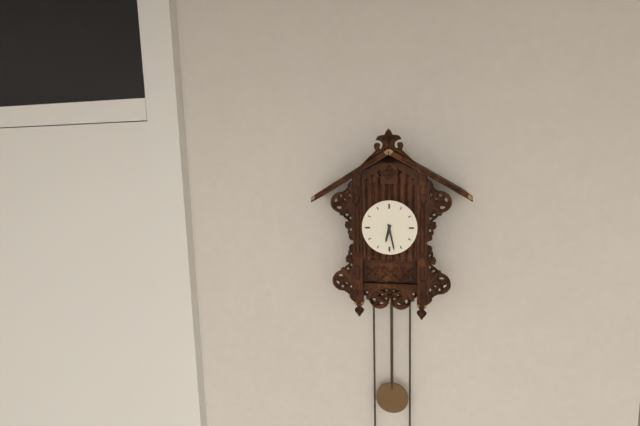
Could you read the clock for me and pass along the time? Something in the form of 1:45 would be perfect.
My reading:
6:28
